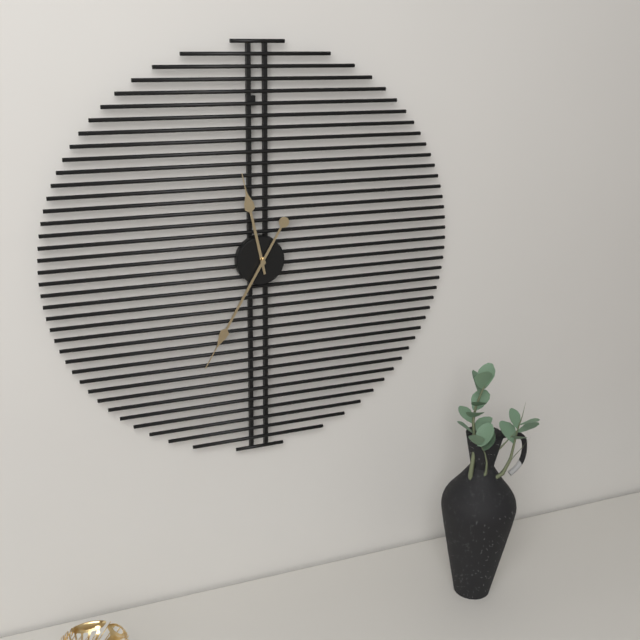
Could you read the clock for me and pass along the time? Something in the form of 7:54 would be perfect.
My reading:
11:35
